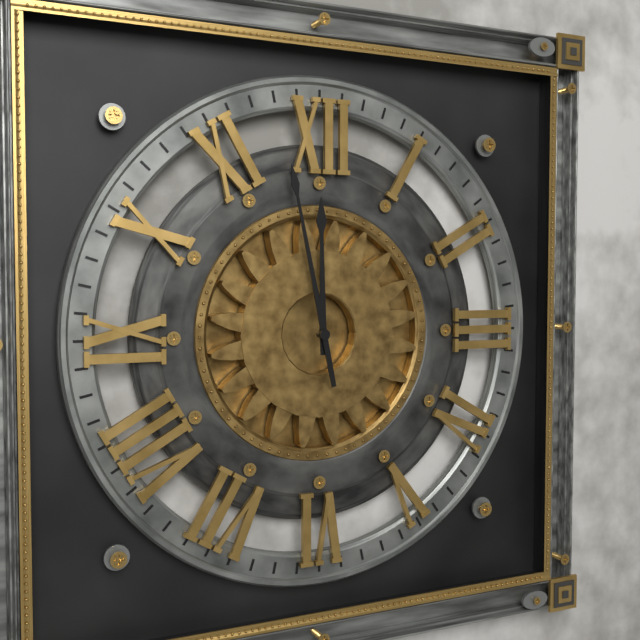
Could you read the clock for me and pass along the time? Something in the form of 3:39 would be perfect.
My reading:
11:58
